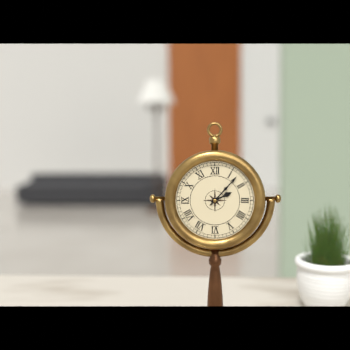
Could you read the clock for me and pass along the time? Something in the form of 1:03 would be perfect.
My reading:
2:07
